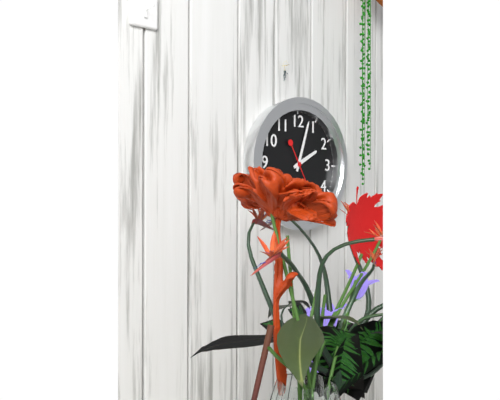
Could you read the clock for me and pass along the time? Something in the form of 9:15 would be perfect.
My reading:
2:03
